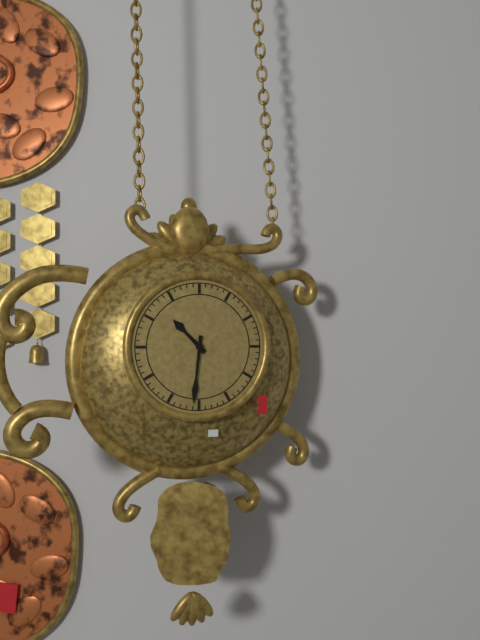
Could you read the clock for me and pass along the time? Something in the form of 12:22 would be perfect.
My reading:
10:31
